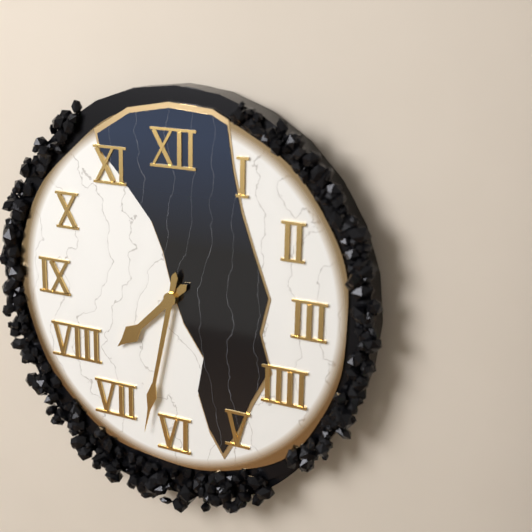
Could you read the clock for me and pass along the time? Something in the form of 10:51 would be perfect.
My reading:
7:32
